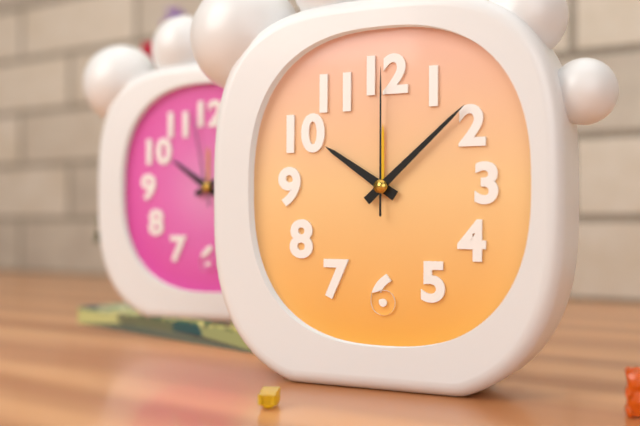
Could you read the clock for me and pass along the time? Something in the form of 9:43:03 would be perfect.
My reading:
10:08:00
